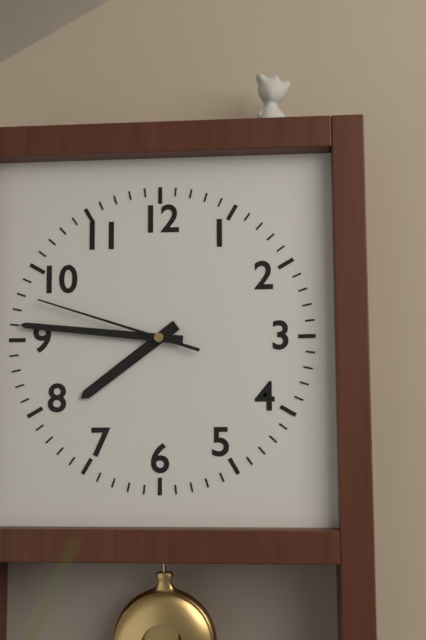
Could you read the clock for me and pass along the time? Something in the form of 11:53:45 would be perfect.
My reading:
7:46:48
